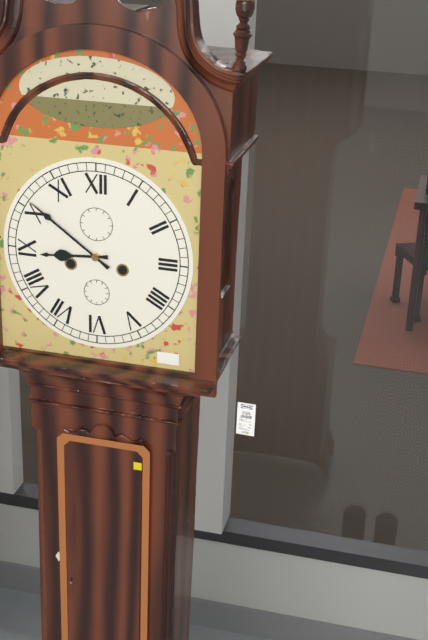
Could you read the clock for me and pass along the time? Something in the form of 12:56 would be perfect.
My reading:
8:51
